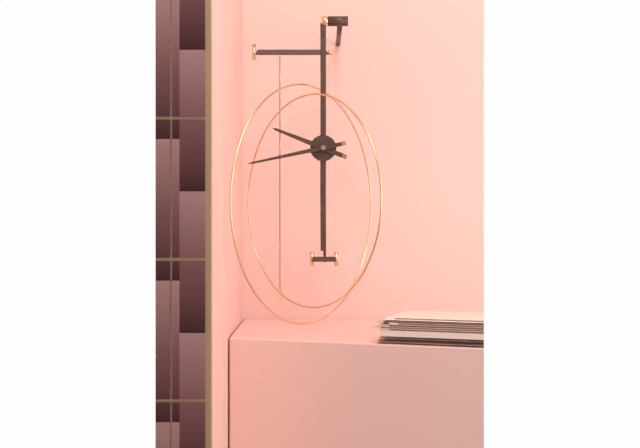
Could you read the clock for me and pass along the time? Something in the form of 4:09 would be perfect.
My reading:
9:43
